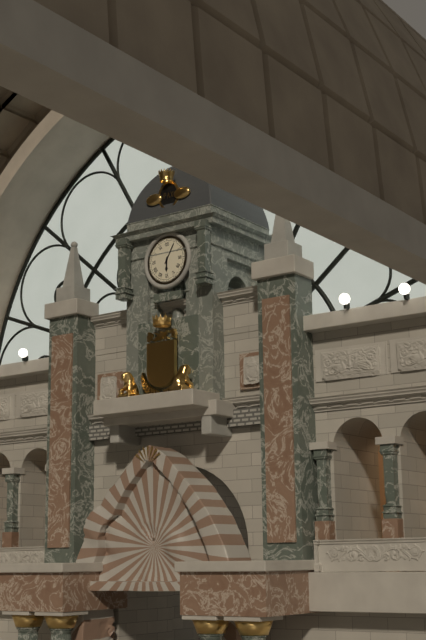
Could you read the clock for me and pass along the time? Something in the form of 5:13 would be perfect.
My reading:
6:05
